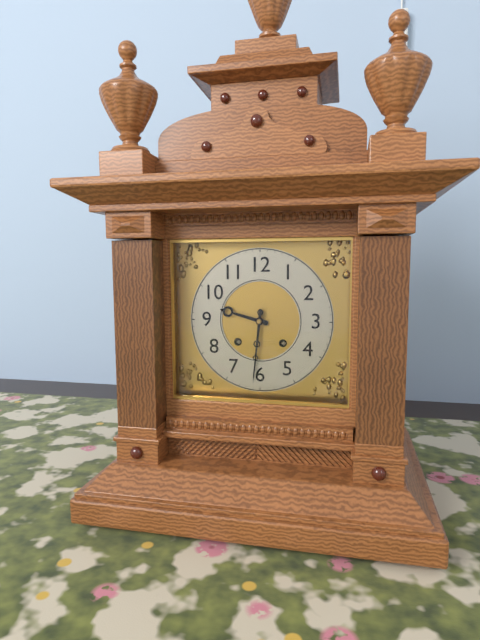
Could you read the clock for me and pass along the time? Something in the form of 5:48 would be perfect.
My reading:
9:31
